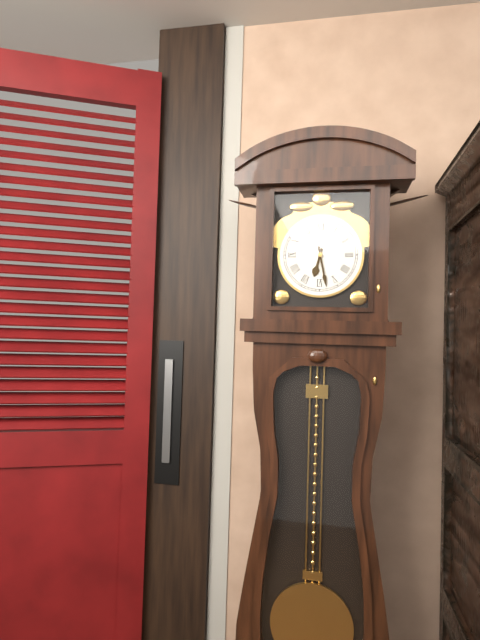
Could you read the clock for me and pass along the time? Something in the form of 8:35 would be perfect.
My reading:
6:28
